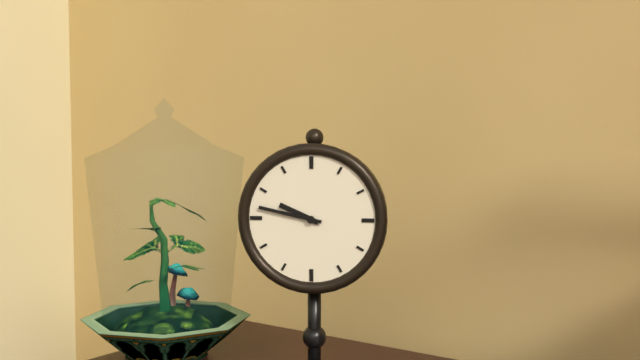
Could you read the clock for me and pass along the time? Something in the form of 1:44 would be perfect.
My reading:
9:47
